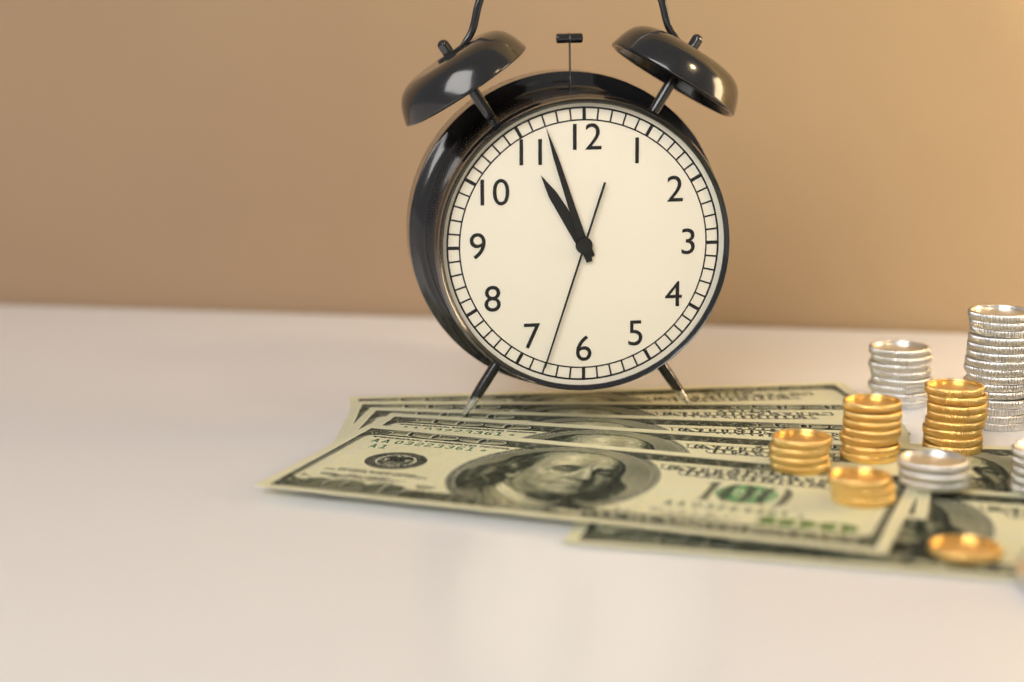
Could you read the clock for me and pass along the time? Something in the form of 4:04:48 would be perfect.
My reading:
10:57:33
